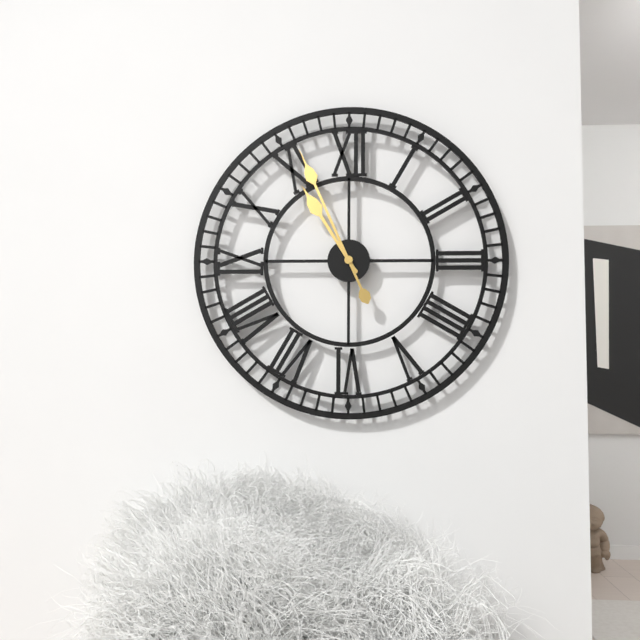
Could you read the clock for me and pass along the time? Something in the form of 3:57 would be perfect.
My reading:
10:56
